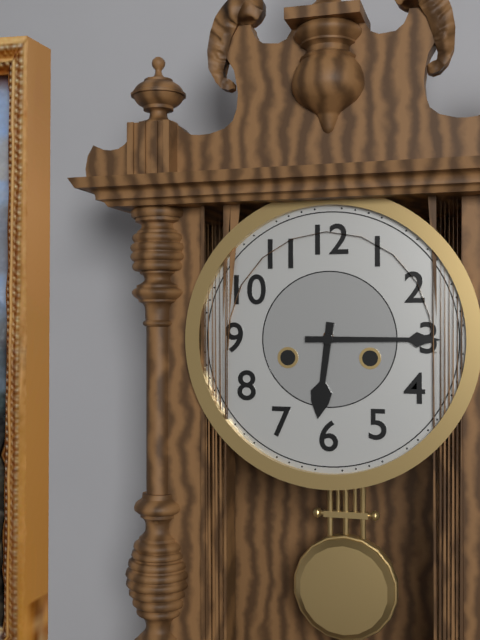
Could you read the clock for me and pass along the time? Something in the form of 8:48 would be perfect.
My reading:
6:15
